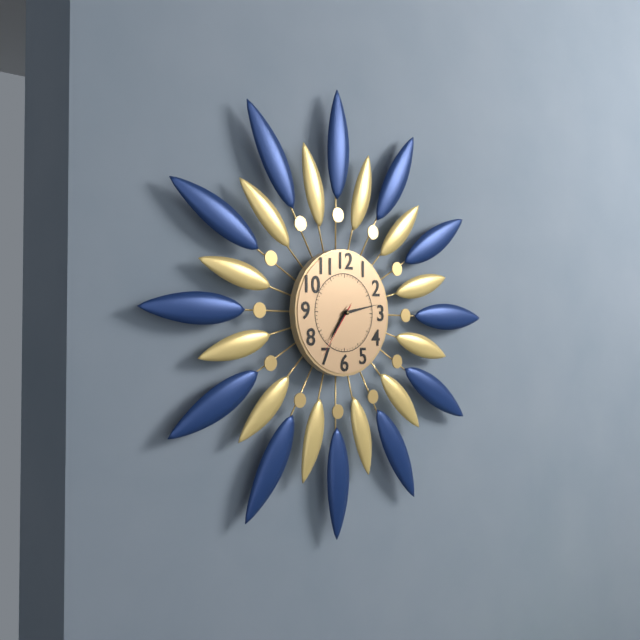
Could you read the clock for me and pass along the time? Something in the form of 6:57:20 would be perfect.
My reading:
7:13:36
